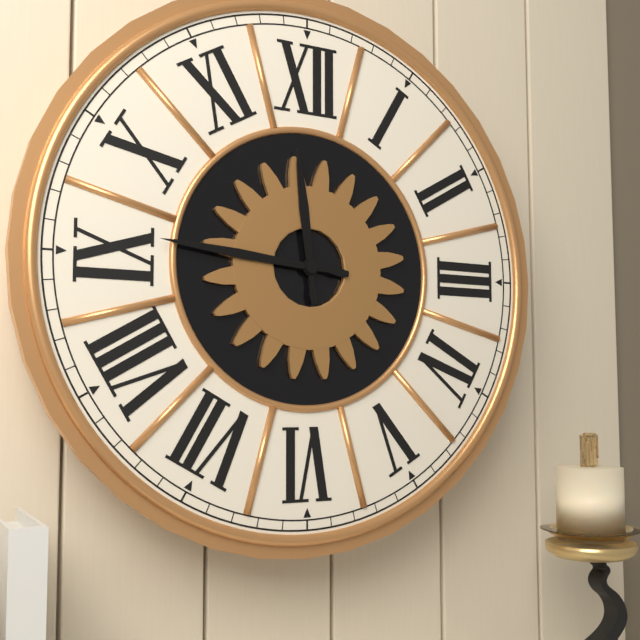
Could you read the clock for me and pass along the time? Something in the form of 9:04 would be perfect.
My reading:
11:46
